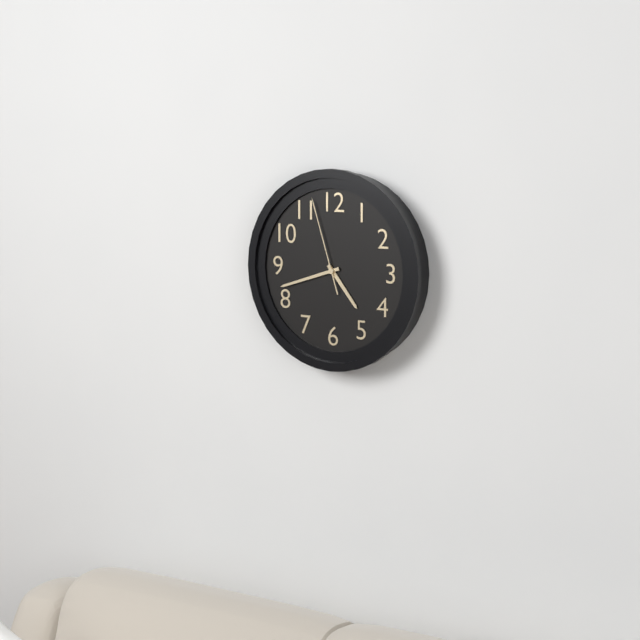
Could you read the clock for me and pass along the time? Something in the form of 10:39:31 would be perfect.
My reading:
4:42:57
